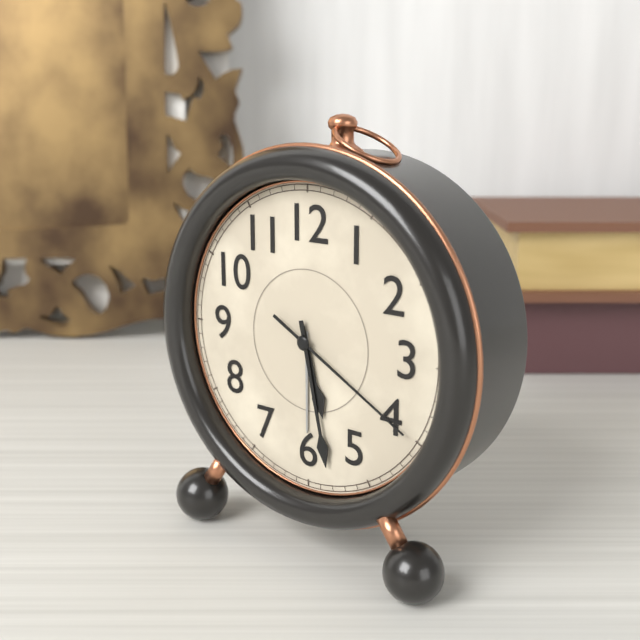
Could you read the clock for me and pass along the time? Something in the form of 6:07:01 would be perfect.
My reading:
5:28:20
